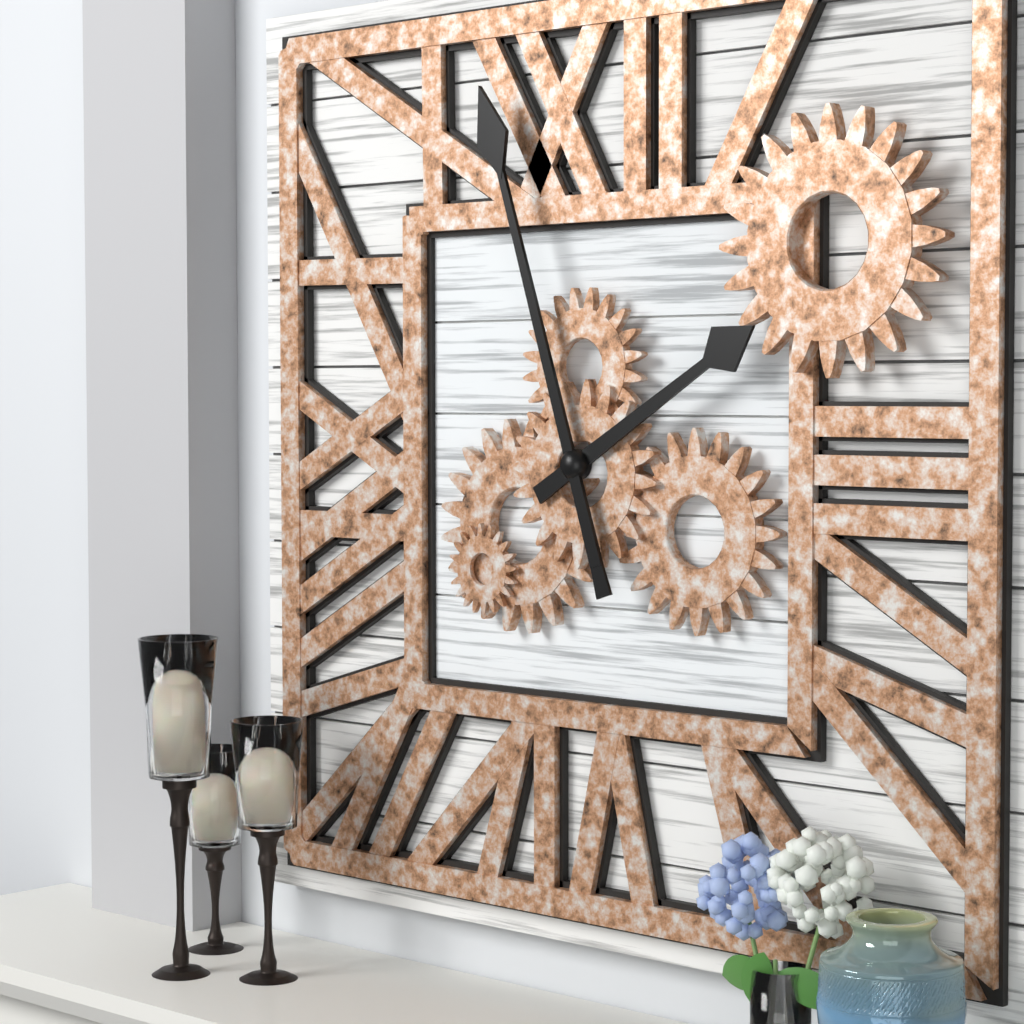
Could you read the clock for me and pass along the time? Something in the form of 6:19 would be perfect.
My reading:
1:57
